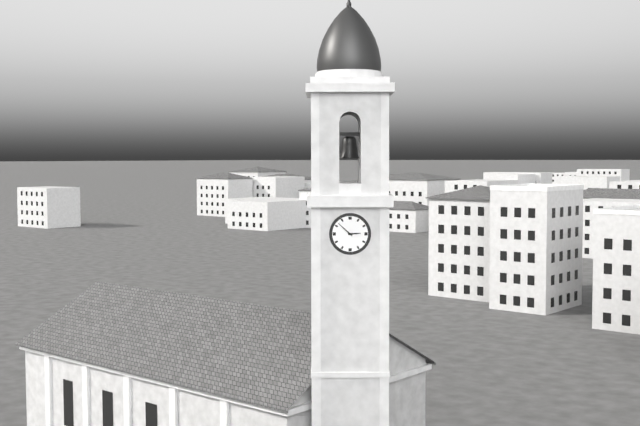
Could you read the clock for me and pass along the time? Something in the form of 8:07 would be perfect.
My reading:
2:52
